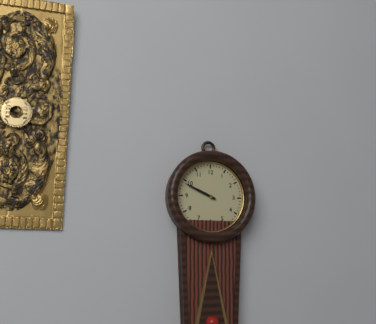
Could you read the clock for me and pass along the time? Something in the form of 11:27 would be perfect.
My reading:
9:49
